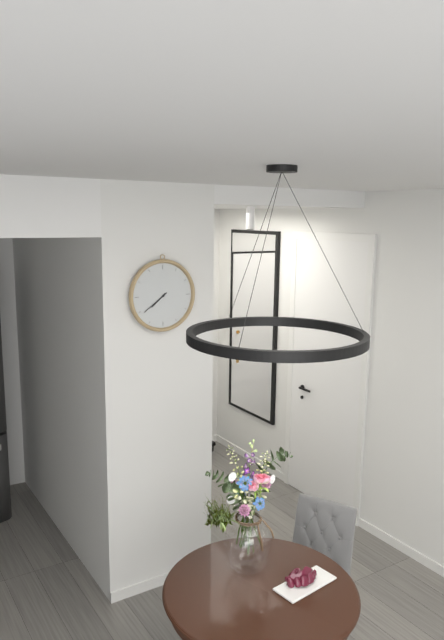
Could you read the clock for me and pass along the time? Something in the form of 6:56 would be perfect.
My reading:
7:39
